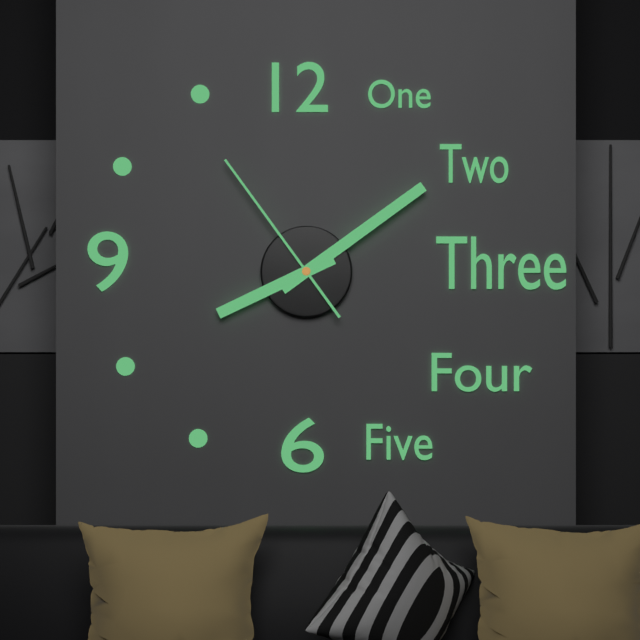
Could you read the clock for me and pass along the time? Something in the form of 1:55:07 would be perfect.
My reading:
8:09:54
